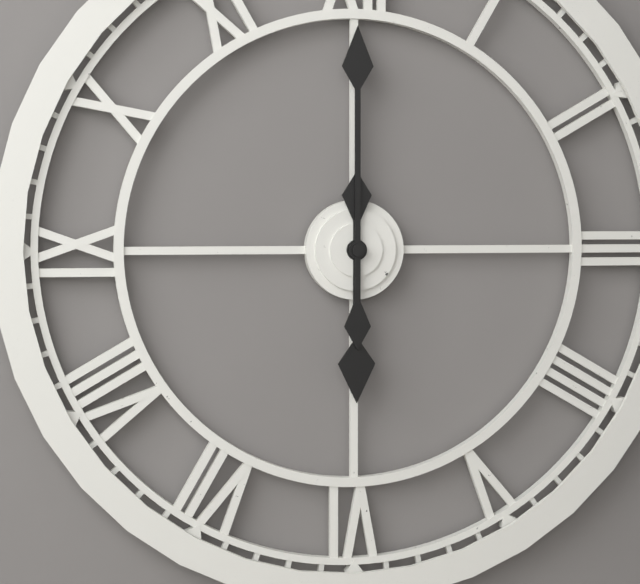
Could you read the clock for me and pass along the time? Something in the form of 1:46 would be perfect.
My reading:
6:00
